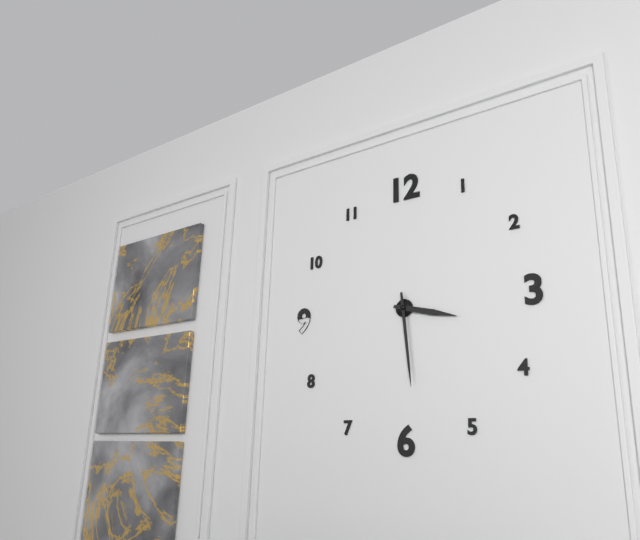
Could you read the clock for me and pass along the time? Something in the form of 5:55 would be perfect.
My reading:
3:29
